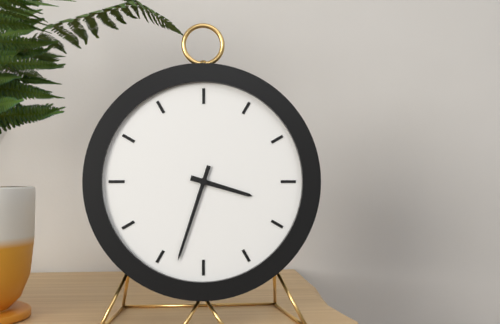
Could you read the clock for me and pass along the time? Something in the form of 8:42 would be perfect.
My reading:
3:33
